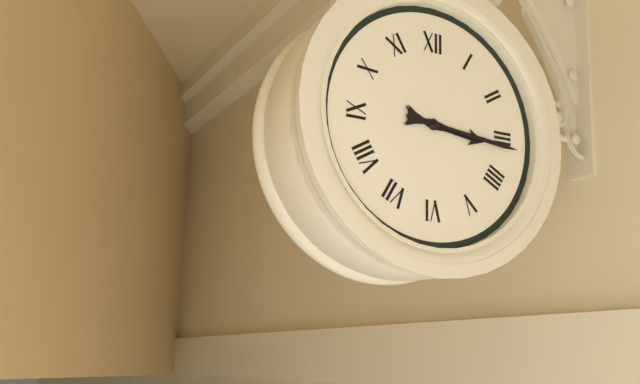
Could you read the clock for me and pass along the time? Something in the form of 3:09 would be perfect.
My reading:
3:16
